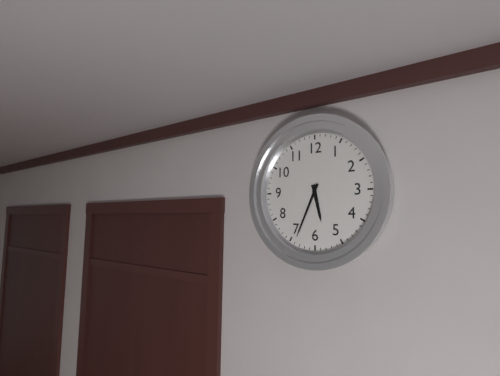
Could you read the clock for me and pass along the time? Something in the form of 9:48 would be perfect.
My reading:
5:34
